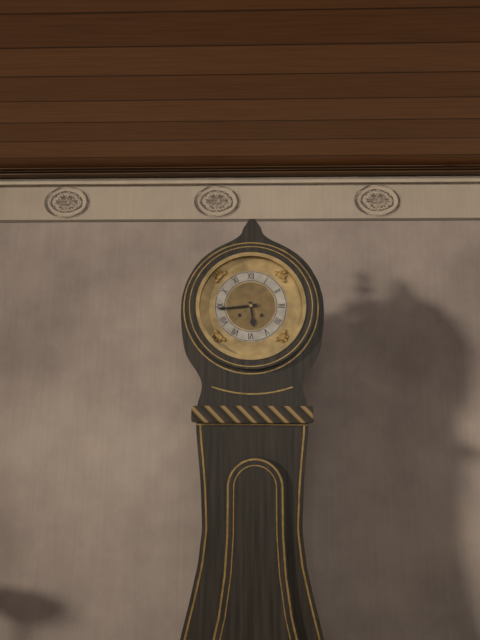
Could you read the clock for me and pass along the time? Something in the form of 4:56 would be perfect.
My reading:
5:44
